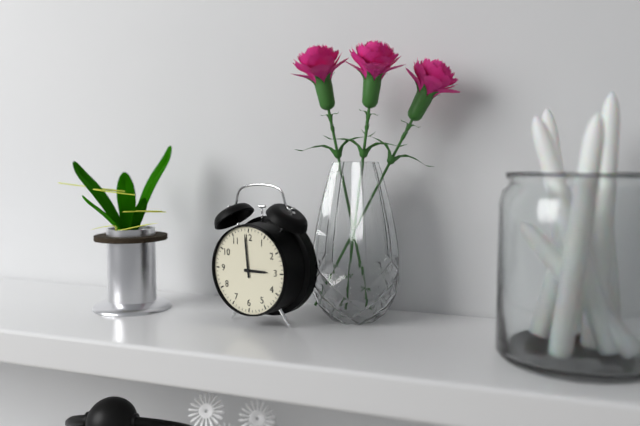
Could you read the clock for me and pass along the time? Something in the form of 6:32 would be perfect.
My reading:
2:59
